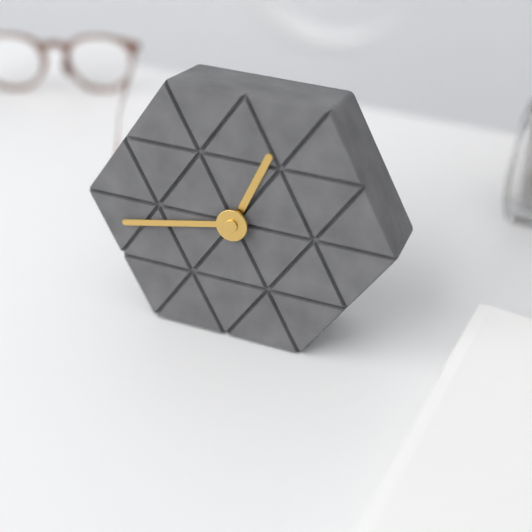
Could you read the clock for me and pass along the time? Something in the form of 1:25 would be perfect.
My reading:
12:43
